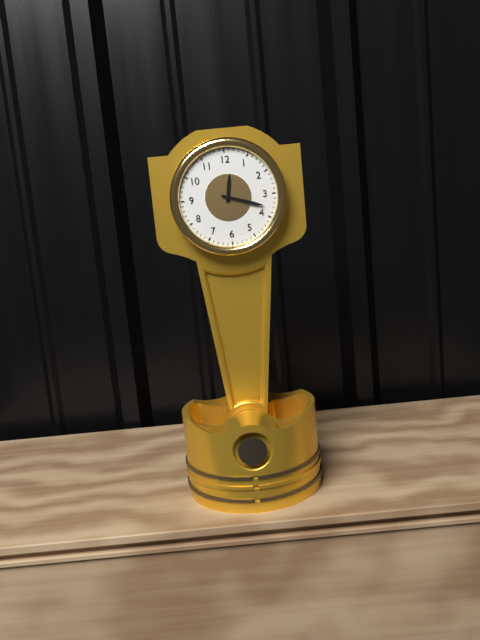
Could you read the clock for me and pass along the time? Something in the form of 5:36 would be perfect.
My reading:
12:18
